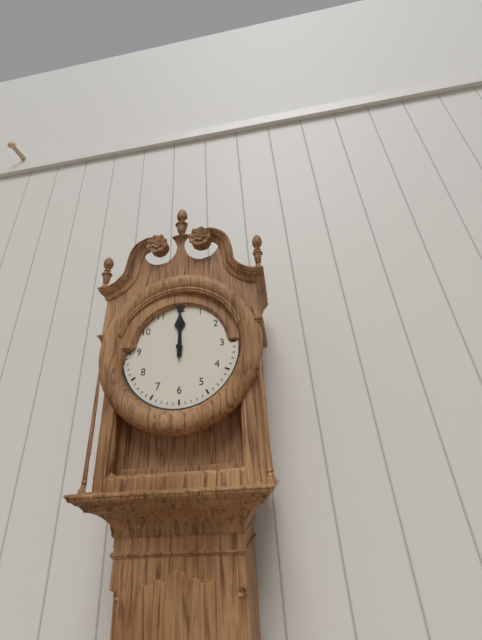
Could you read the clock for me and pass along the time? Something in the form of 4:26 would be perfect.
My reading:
12:00
